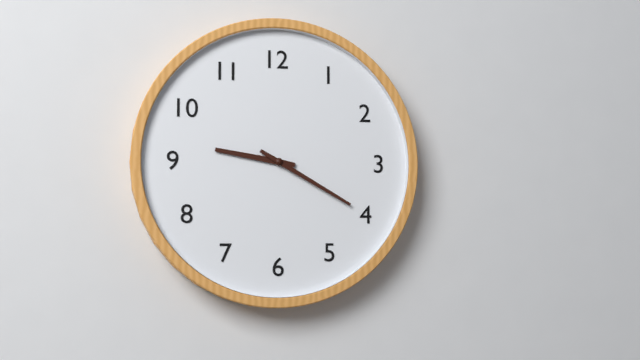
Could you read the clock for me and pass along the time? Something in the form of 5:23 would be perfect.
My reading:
9:20
